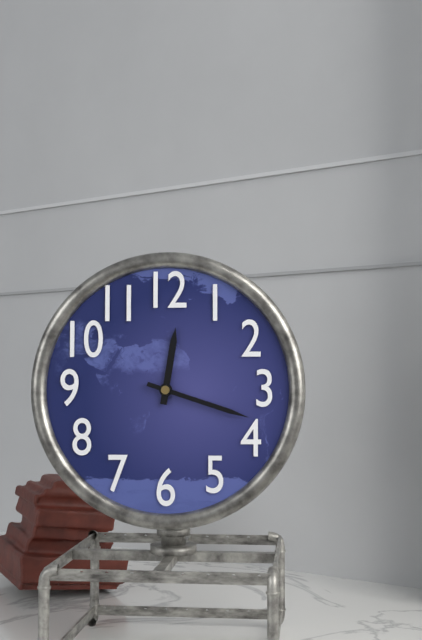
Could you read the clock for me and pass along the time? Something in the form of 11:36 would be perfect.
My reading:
12:18
